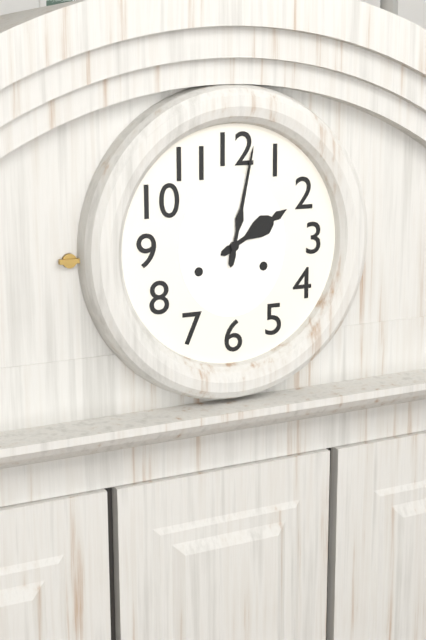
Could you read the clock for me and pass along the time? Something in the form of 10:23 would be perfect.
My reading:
2:02
